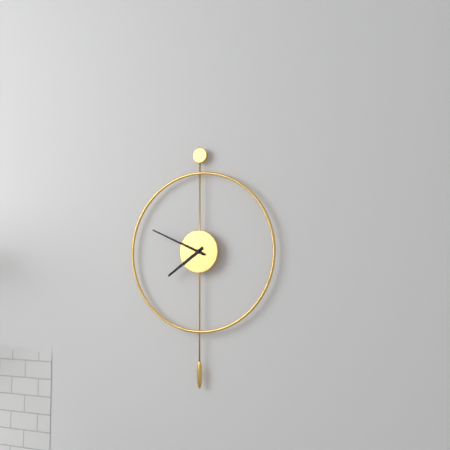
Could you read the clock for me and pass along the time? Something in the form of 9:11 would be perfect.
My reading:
7:49
